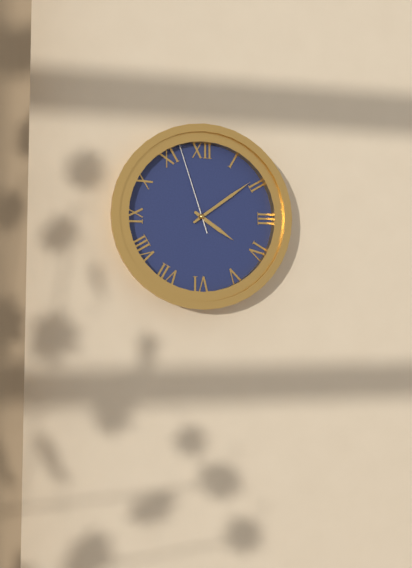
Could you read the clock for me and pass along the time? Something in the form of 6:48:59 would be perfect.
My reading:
4:09:57
